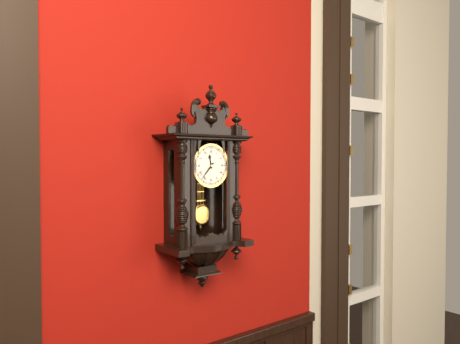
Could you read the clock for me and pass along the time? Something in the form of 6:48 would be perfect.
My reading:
11:37
